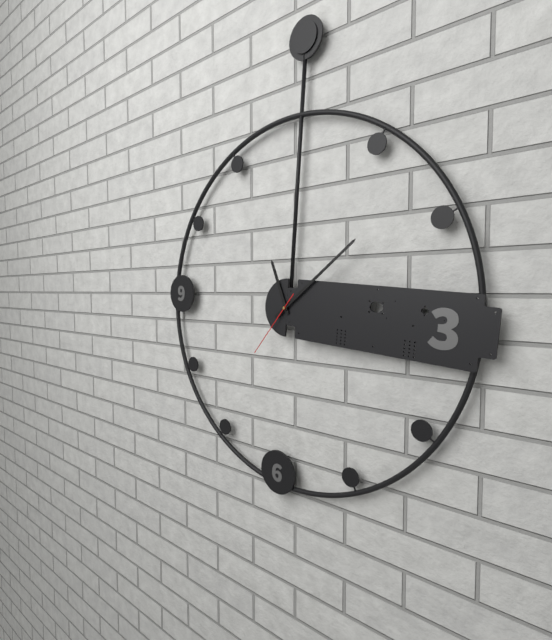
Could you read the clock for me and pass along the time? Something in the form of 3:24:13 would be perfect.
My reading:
11:08:36
